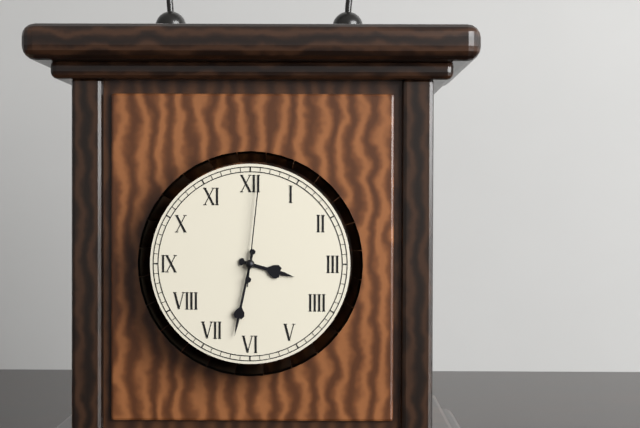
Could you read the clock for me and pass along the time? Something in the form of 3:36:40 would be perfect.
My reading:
3:32:01
